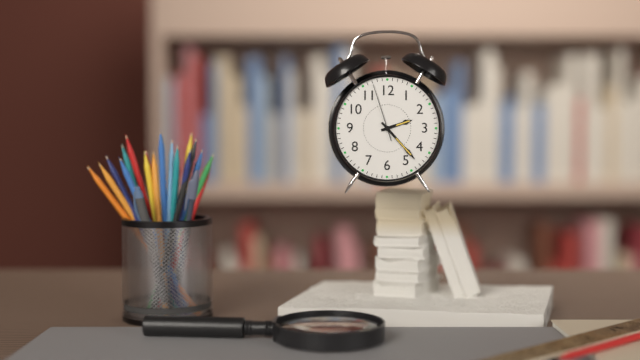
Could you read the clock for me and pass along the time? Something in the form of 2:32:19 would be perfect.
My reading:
2:23:57
